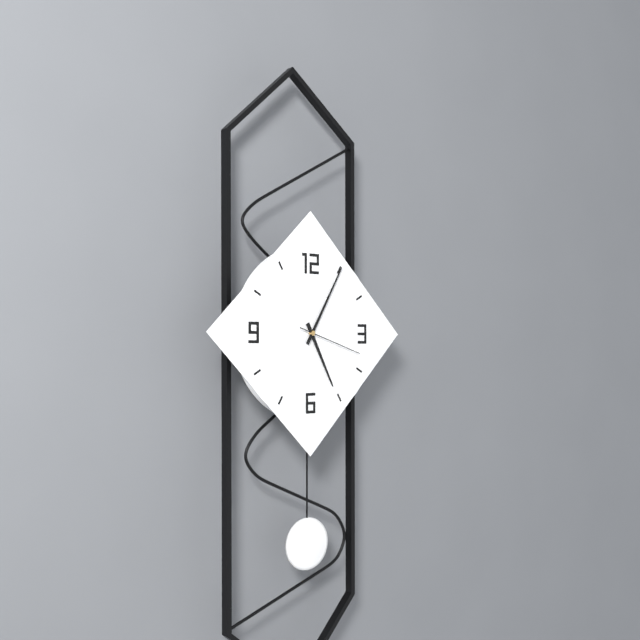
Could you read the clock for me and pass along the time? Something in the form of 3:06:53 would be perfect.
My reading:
5:05:18
